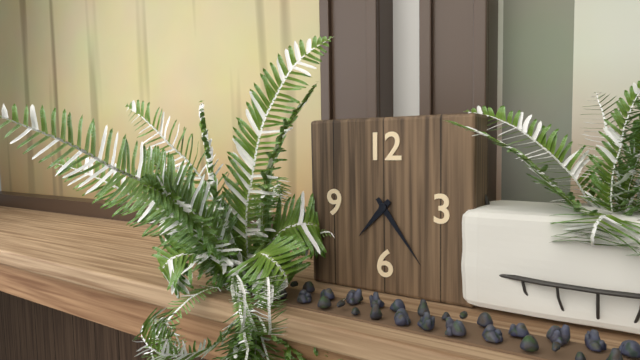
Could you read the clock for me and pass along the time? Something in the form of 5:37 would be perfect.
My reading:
7:24
